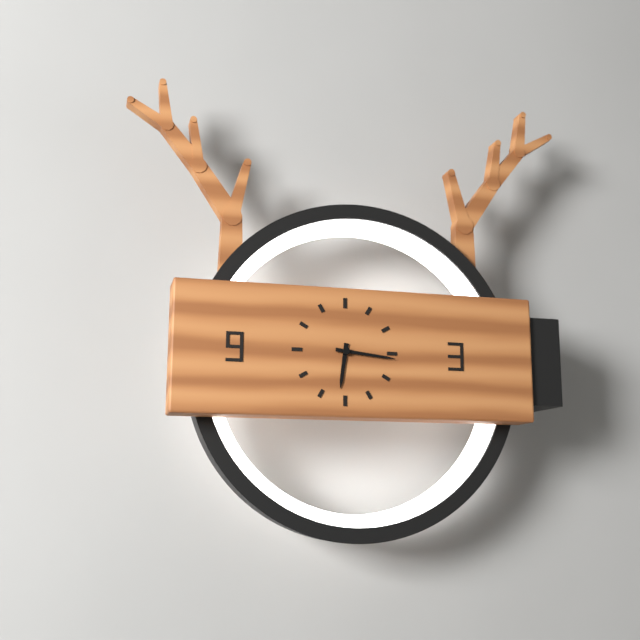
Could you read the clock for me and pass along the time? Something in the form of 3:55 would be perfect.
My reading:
6:16
